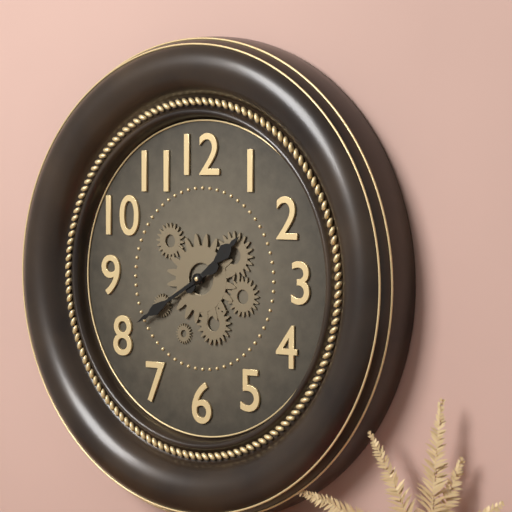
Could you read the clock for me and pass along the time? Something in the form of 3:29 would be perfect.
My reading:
1:40
